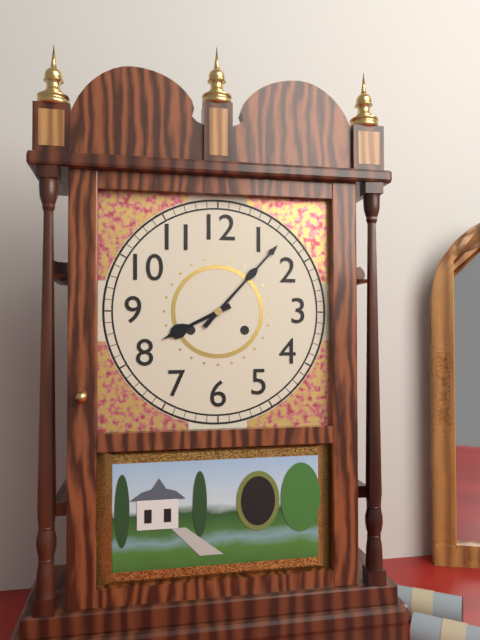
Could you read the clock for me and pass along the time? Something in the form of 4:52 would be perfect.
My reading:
8:07
